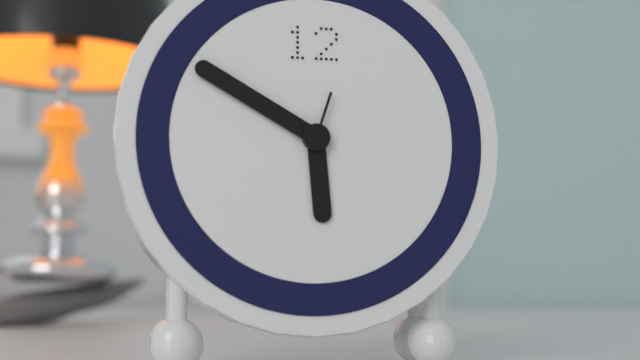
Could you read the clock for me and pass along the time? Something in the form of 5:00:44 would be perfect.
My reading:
5:50:03
